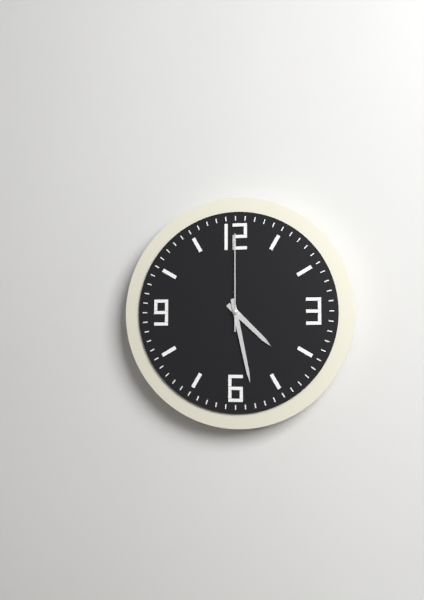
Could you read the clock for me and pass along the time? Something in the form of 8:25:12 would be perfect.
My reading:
4:28:00
